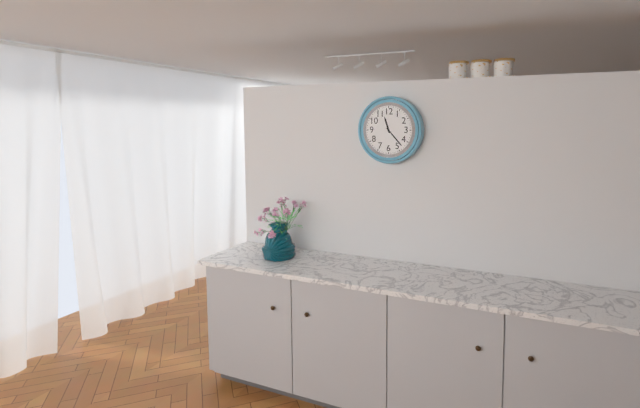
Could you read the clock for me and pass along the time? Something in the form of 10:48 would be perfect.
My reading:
11:23
